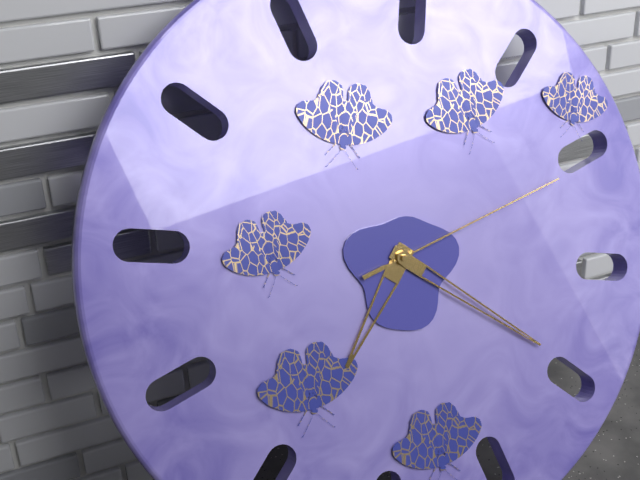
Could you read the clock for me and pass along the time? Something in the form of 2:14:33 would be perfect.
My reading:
7:22:13
